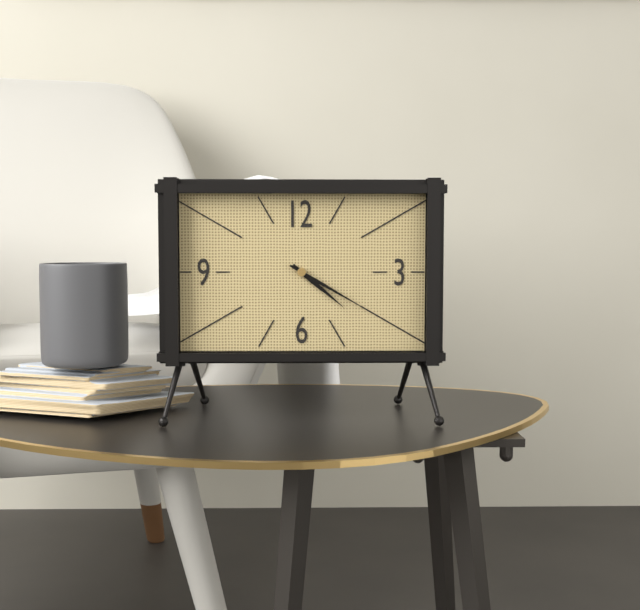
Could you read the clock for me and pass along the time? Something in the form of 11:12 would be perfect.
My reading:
4:20
